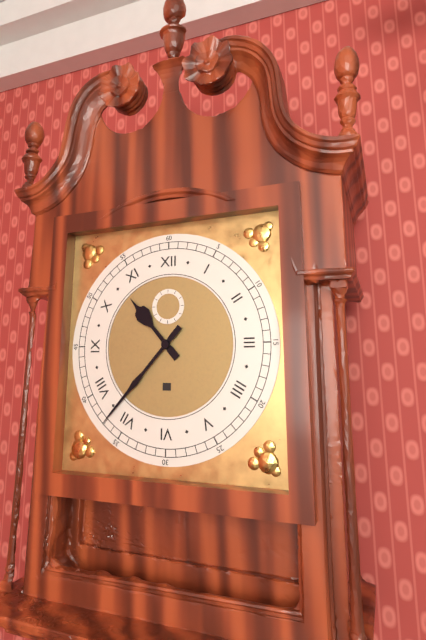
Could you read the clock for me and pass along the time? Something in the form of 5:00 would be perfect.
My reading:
10:37
